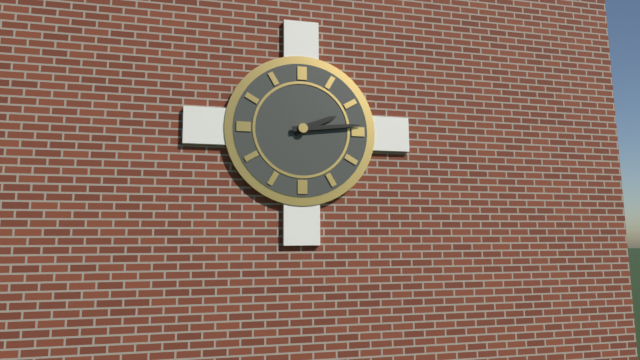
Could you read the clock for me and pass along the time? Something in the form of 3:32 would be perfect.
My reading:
2:14
